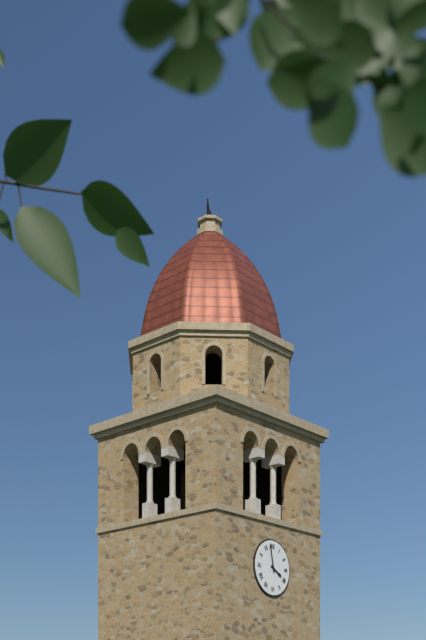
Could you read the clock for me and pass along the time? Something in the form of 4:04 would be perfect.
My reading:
3:58
